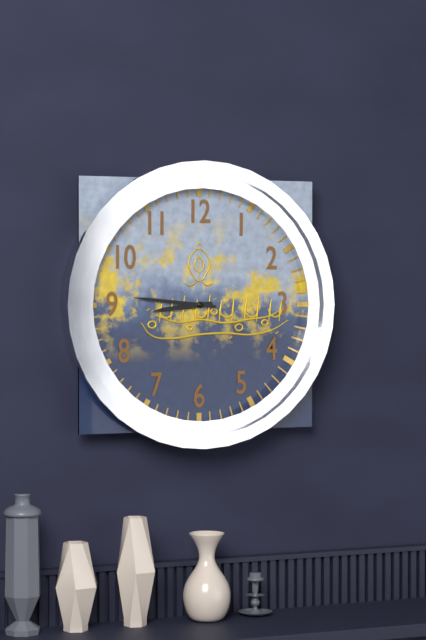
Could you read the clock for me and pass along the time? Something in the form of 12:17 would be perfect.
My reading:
8:46
